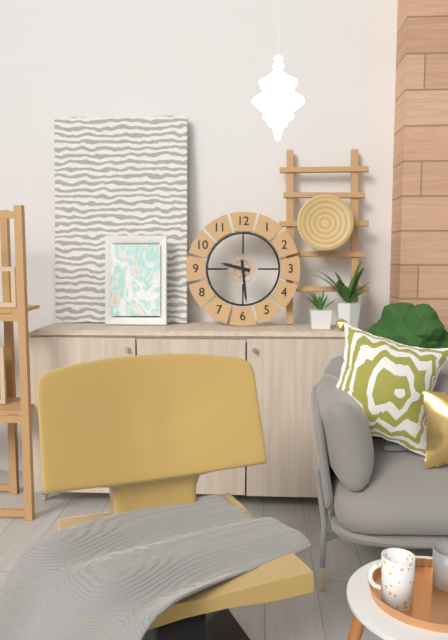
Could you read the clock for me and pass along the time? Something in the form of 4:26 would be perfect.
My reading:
9:29
